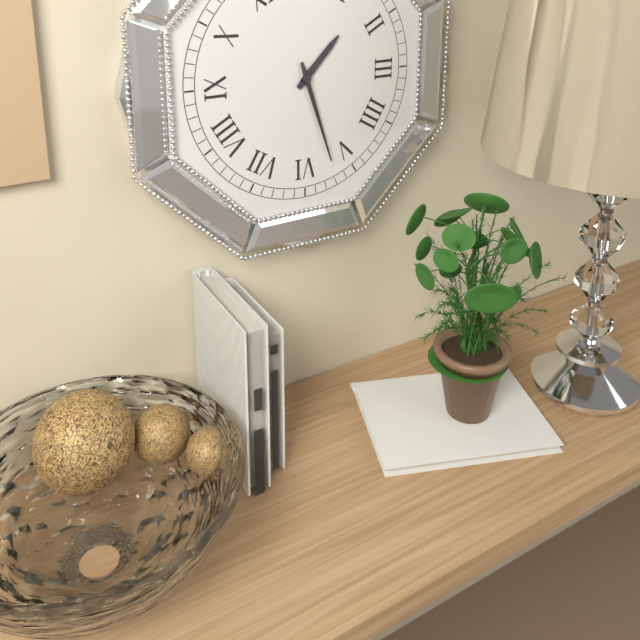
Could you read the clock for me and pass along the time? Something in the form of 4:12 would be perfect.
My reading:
1:27
